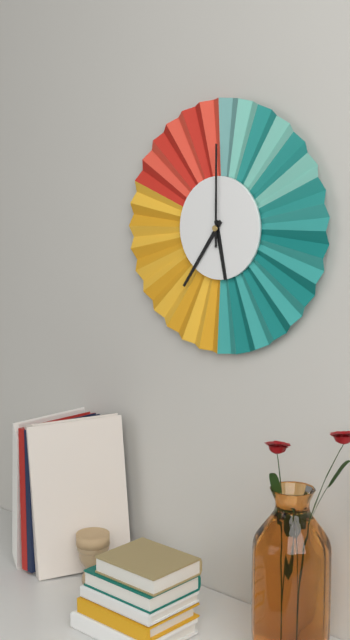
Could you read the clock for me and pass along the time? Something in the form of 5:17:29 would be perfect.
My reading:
5:36:00
